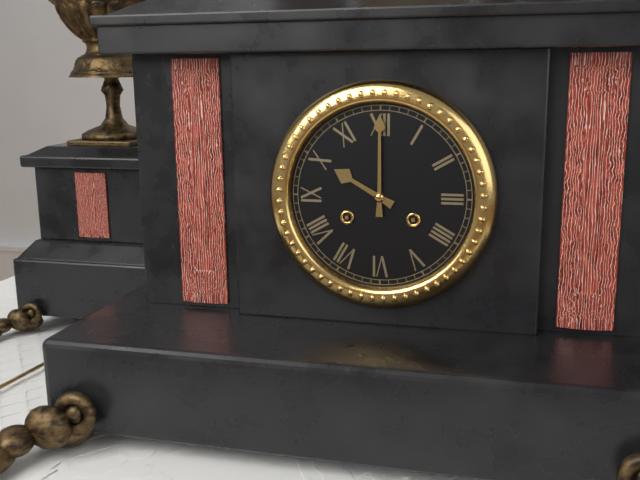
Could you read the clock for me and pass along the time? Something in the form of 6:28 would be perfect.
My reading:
10:00
